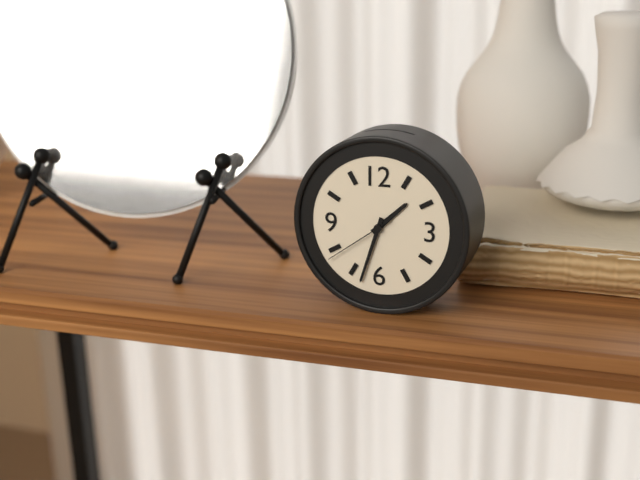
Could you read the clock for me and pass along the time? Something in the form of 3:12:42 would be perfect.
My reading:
1:33:39
